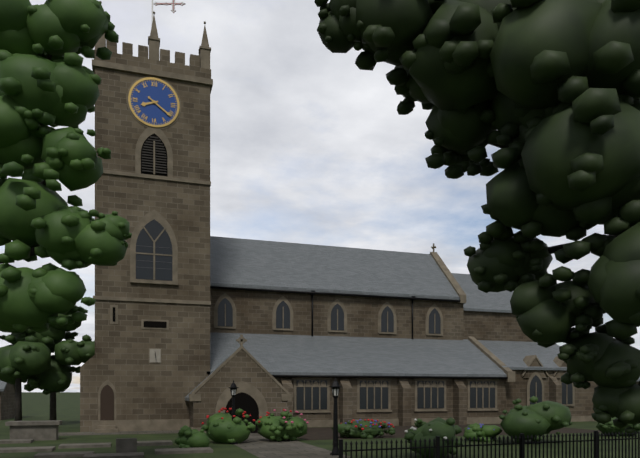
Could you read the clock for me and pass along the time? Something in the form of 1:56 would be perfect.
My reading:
8:21
